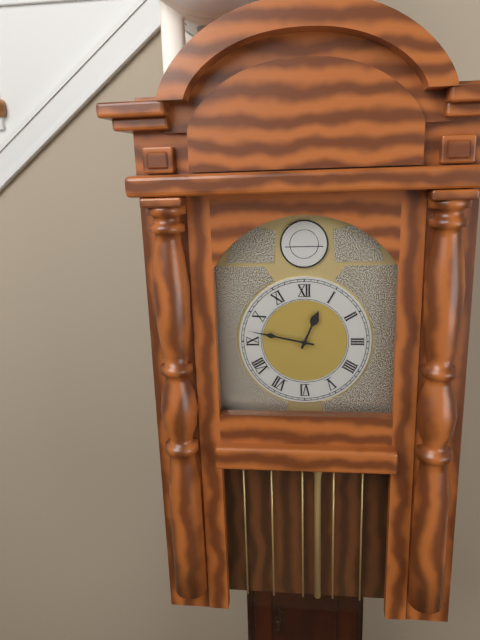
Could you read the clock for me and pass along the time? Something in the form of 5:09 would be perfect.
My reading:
12:47
